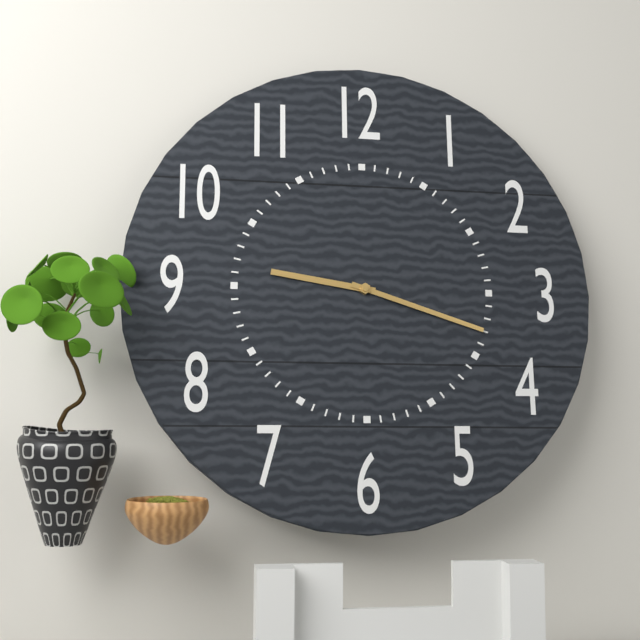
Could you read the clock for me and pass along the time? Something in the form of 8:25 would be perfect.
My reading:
9:18
